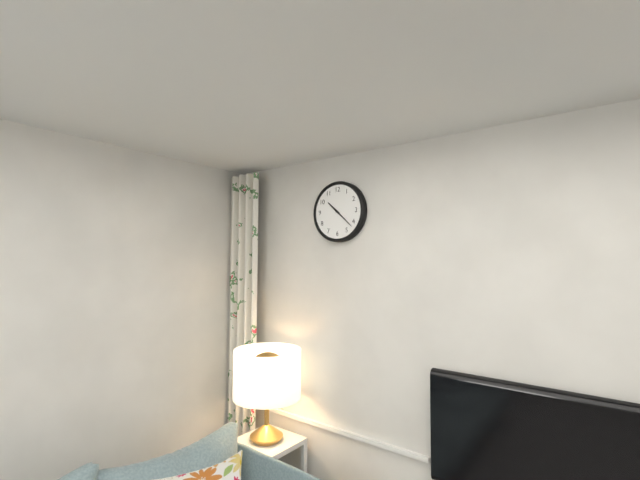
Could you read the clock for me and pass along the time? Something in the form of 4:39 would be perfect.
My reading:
10:22
